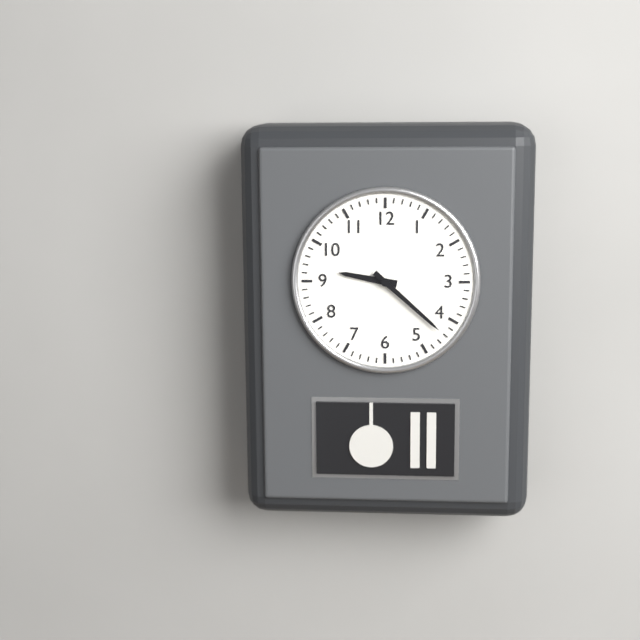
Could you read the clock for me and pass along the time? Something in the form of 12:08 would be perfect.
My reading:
9:22
